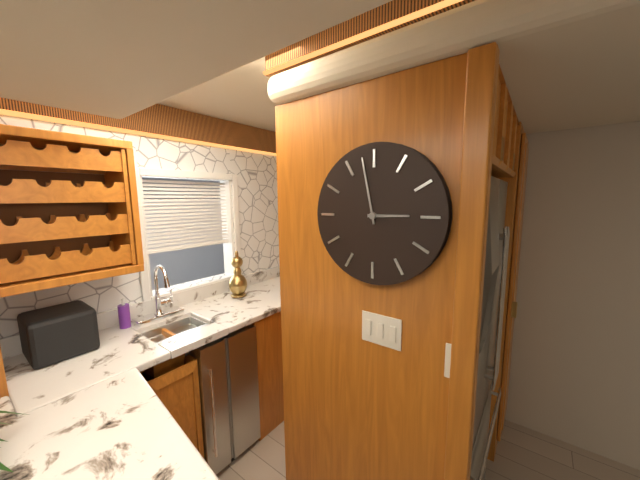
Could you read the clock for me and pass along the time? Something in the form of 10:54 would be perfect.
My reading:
2:58
